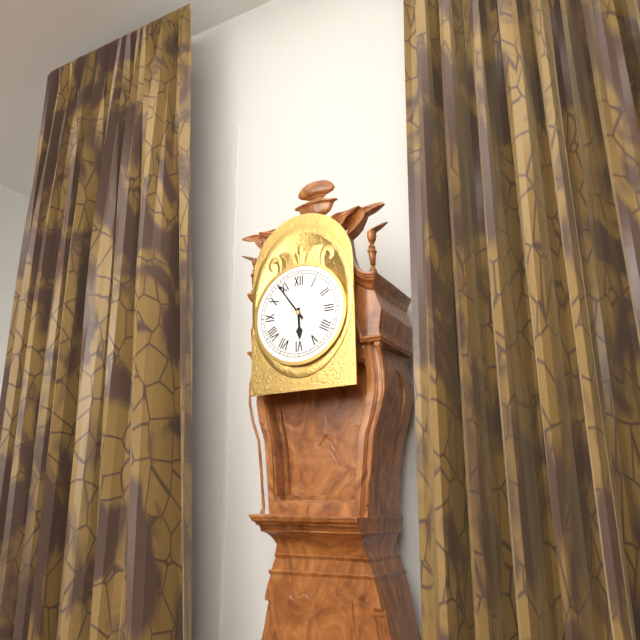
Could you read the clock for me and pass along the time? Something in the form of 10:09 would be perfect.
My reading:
5:54
